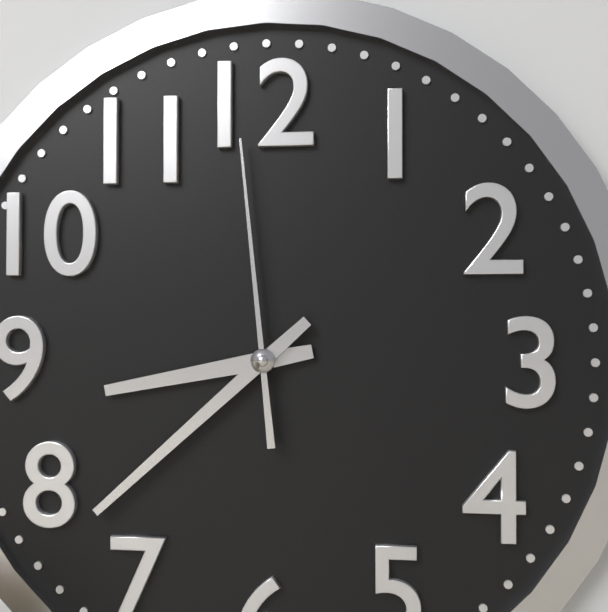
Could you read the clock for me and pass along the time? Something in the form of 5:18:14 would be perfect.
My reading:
8:38:59
